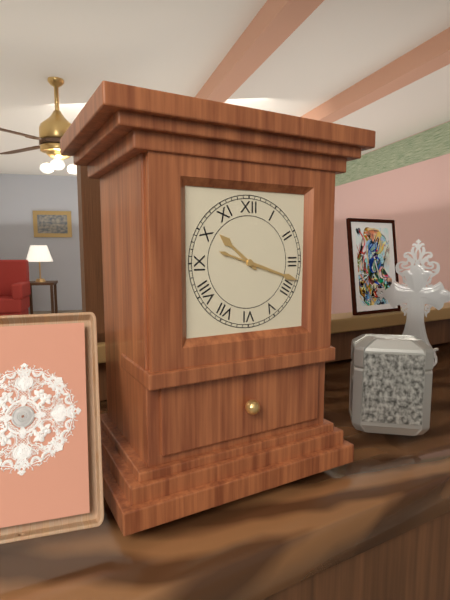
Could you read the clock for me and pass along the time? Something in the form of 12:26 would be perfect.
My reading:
10:18
